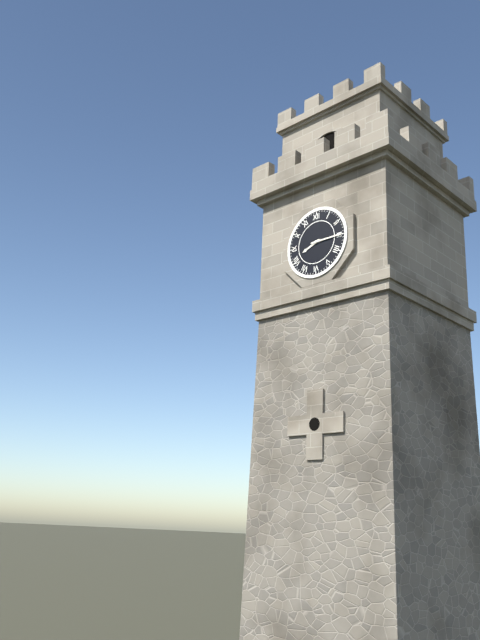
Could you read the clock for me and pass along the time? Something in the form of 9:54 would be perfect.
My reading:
8:15
